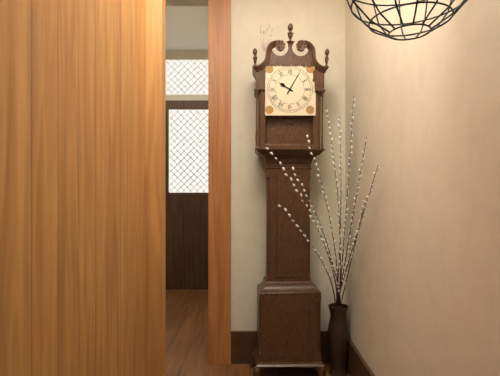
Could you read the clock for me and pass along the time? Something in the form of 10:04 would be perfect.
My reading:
10:05
